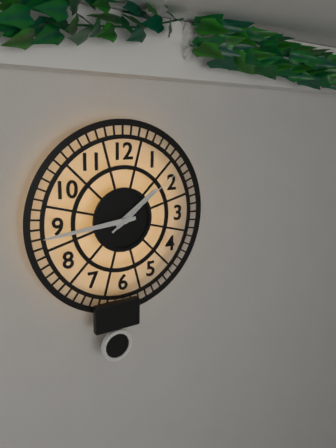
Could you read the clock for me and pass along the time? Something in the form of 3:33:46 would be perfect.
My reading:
1:44:09
